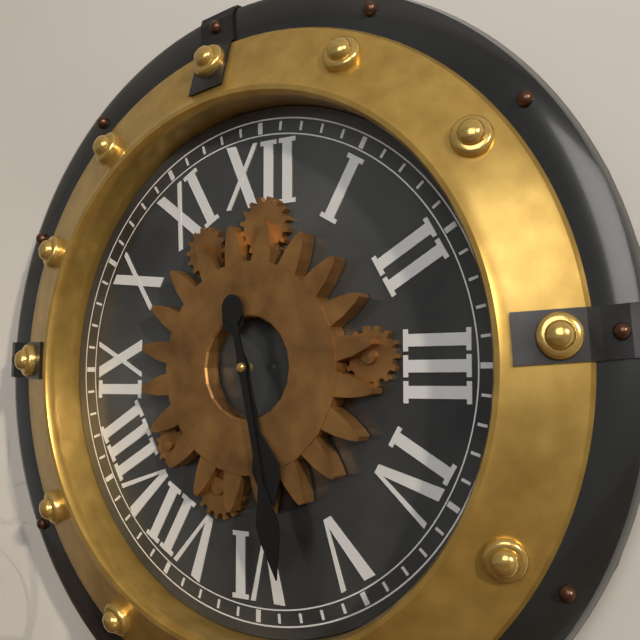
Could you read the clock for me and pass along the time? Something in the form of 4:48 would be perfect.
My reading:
5:28
